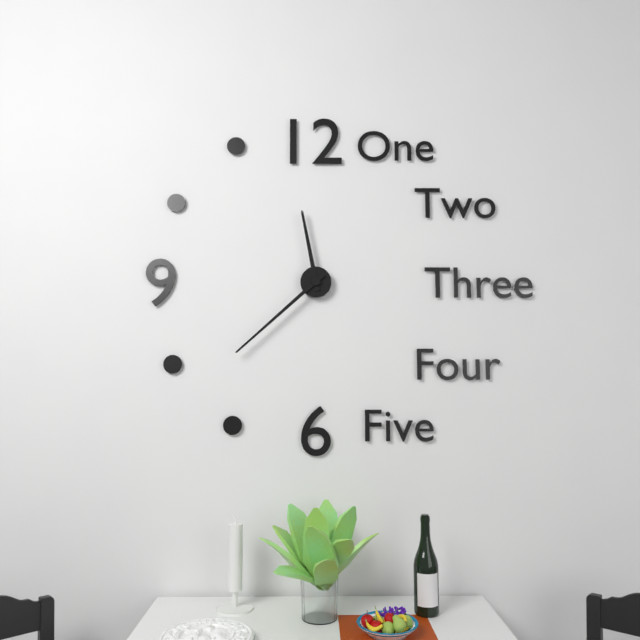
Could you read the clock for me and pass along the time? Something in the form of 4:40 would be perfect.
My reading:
11:38
